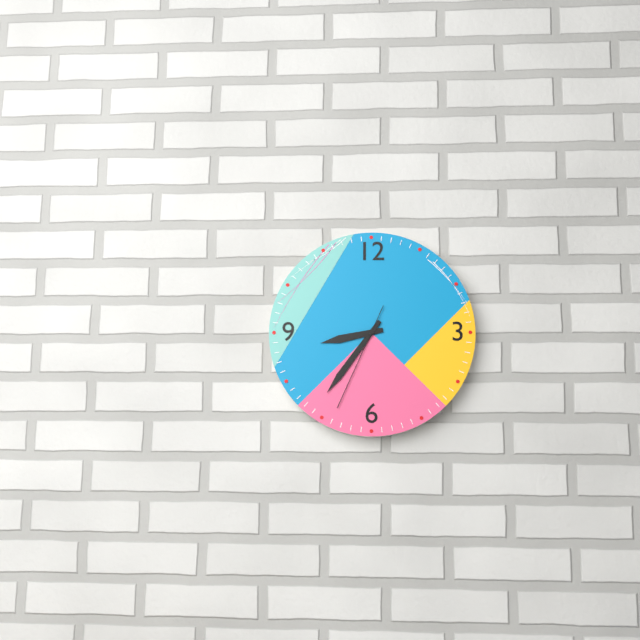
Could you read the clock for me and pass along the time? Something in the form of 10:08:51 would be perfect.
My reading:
8:36:34
